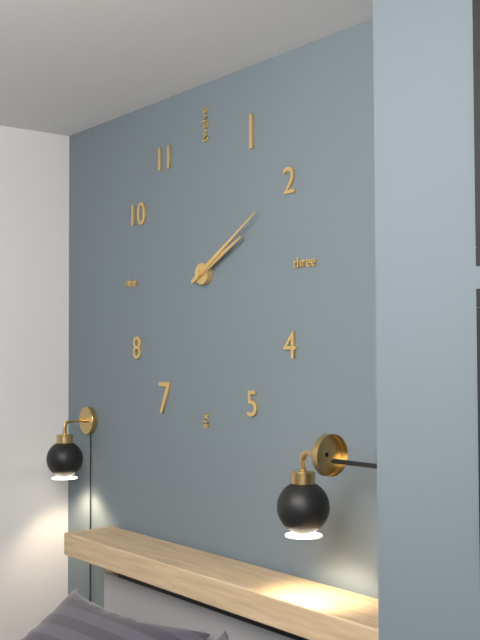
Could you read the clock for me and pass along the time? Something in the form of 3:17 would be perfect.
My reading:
2:10
